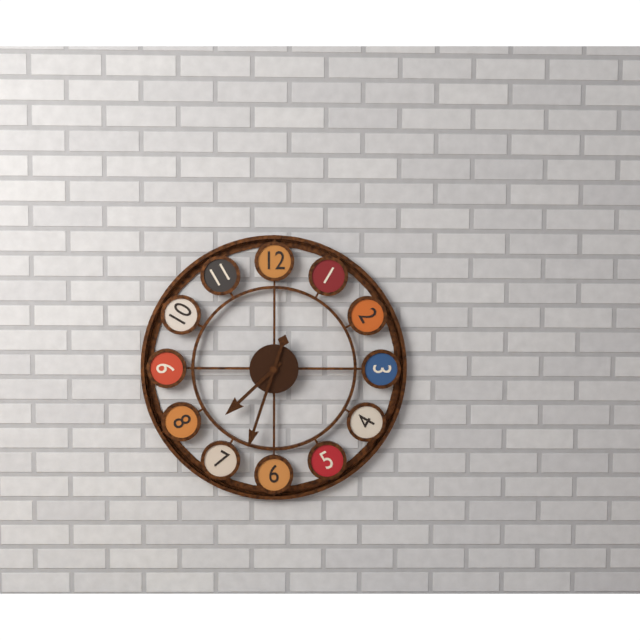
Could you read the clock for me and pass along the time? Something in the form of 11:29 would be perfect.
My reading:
7:33
